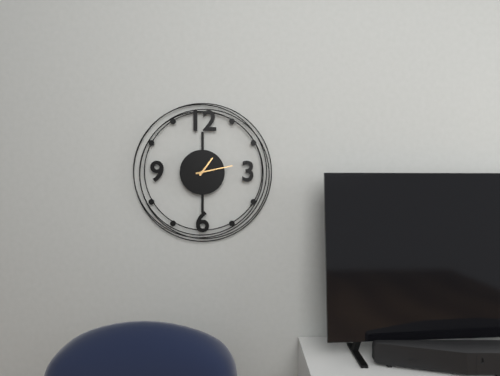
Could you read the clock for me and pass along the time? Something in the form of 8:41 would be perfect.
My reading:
1:13
